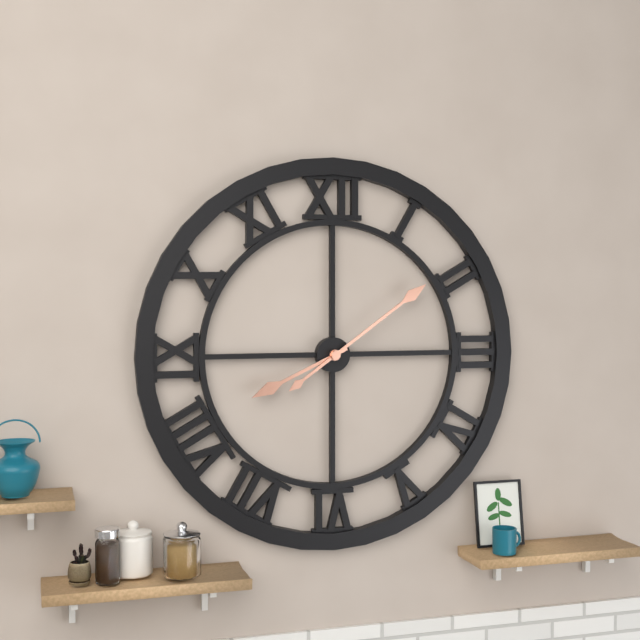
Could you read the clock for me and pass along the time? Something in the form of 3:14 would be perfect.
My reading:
8:09
